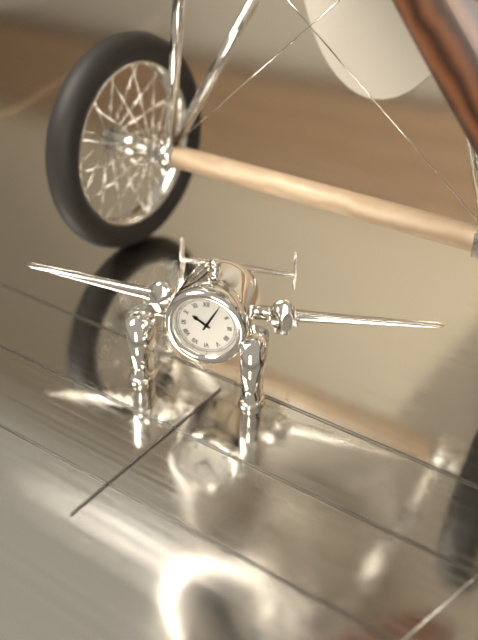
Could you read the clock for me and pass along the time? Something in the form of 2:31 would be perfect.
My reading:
10:05
